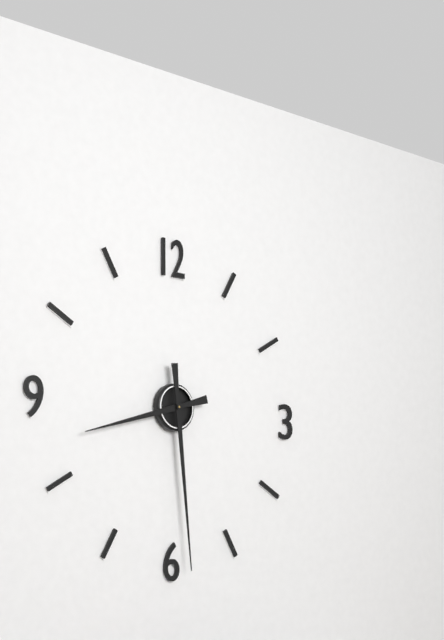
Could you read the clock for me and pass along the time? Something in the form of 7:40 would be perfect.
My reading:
8:29
